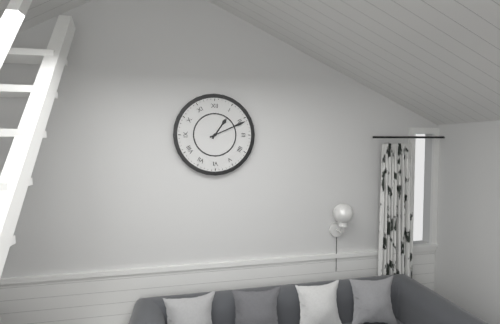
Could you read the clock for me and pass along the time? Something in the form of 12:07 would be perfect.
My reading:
1:11
